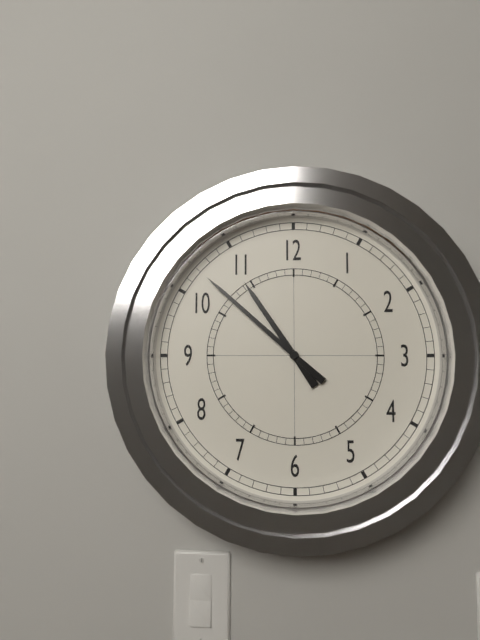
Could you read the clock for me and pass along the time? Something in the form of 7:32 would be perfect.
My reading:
10:52
